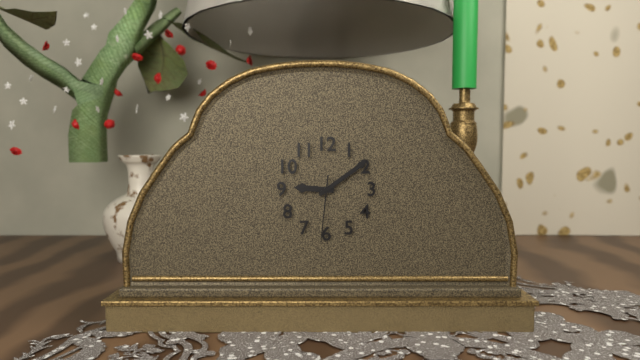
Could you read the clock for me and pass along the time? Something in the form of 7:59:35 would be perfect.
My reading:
9:09:31
